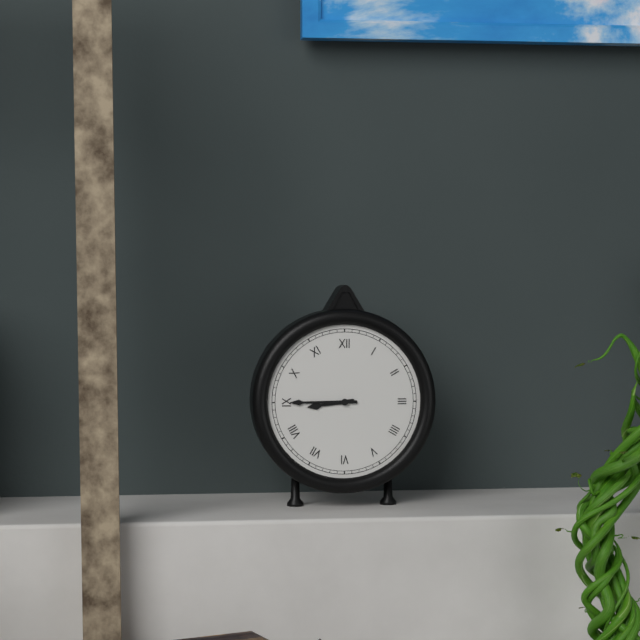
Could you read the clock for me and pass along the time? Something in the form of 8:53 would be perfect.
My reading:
8:45
